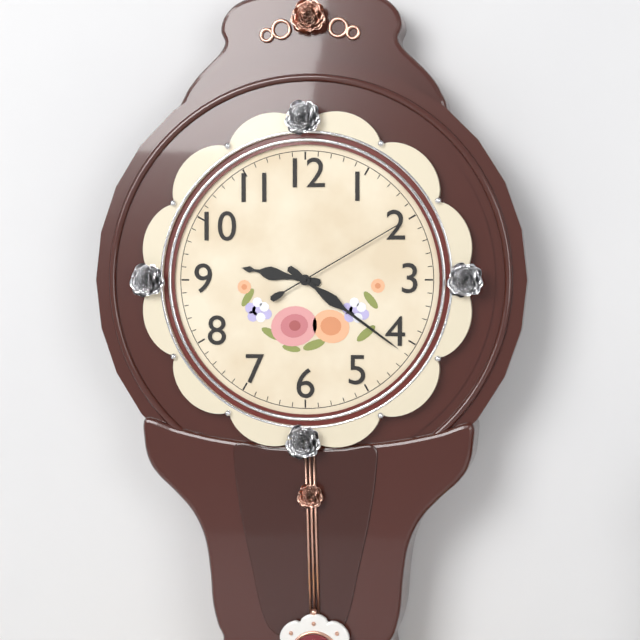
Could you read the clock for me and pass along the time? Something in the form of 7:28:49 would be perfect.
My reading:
9:21:10
